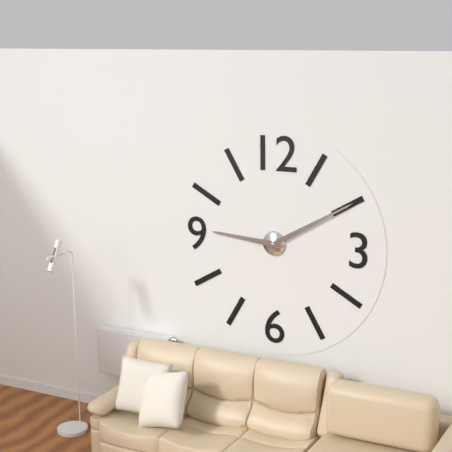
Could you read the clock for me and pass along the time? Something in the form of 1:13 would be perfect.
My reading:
9:10
